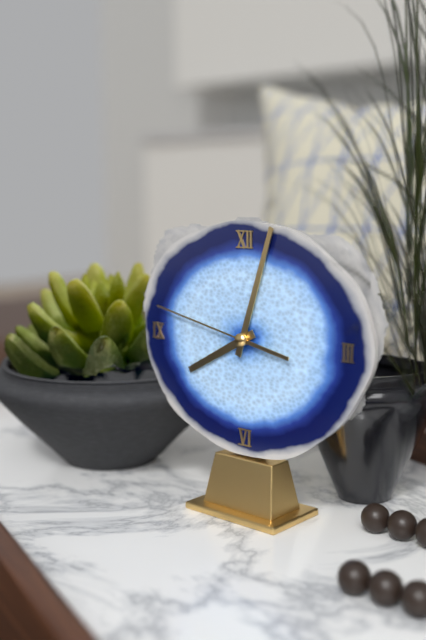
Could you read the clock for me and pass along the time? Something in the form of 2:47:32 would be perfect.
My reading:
8:03:47
